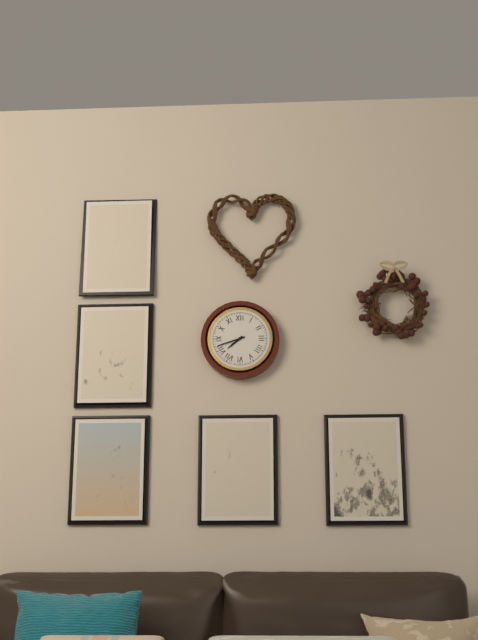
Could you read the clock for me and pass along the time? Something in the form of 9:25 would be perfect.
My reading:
7:42
